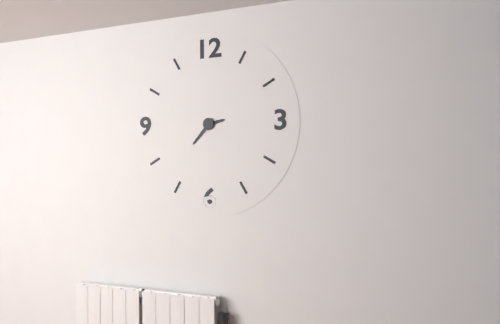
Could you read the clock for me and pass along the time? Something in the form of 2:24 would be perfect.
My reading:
2:37
